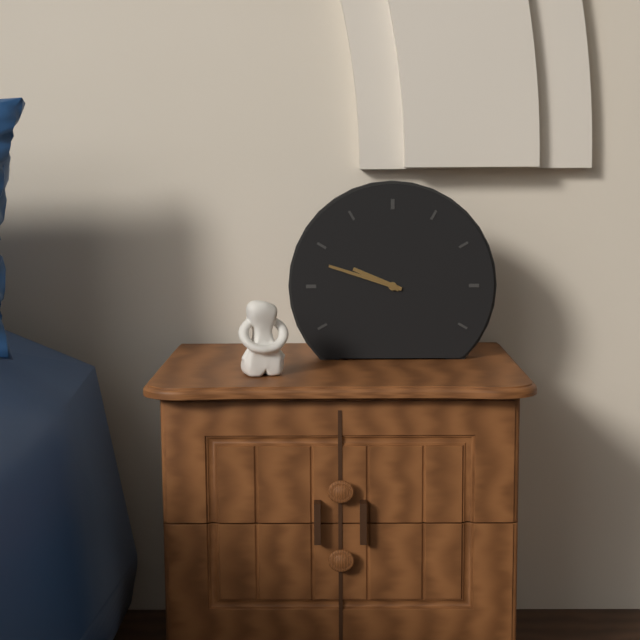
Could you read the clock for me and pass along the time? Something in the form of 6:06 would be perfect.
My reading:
9:48
